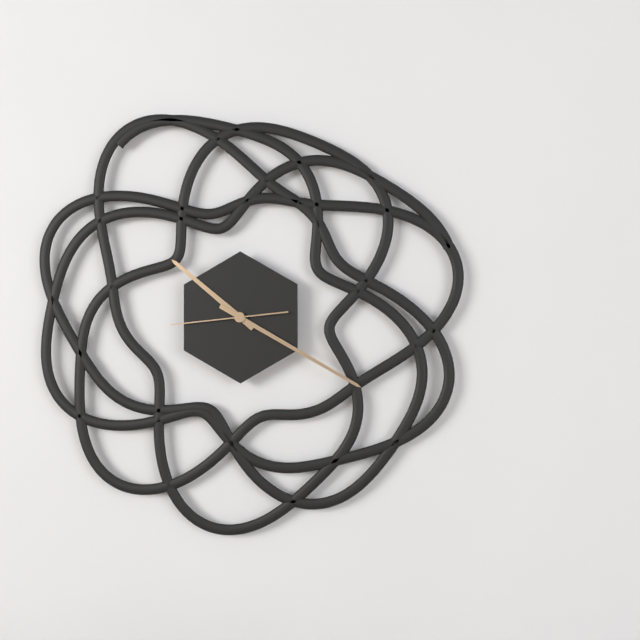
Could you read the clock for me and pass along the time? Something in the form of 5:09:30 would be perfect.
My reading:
10:20:44
